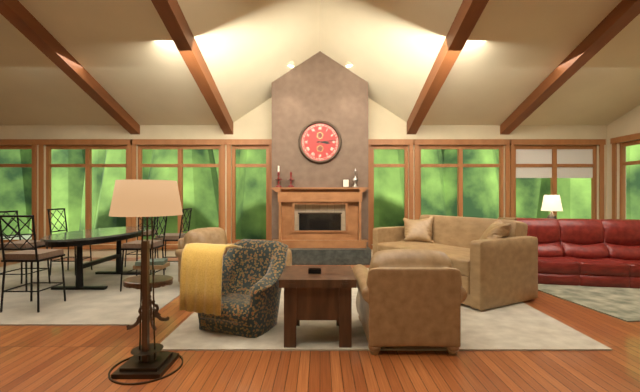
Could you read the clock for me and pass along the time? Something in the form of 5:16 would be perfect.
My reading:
3:14
